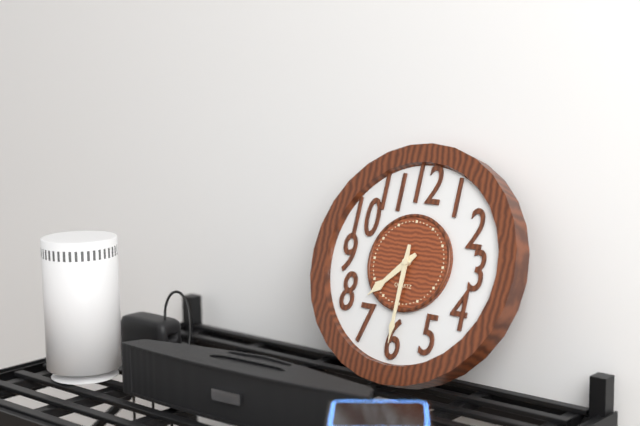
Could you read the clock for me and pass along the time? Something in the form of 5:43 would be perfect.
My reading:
7:30
